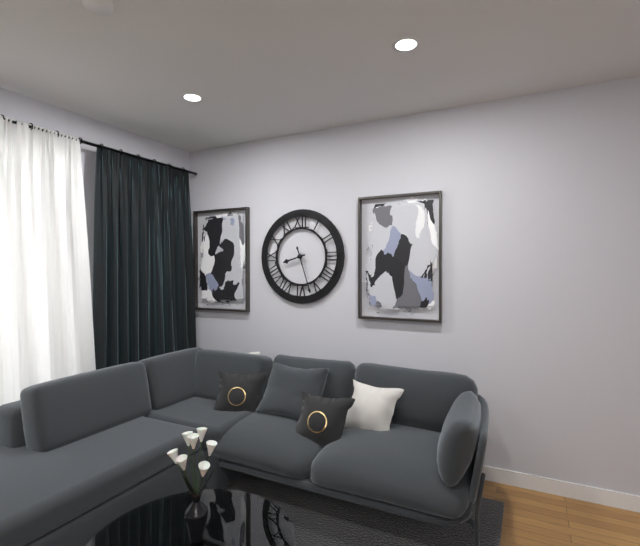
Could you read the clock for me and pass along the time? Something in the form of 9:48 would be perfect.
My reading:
8:27
